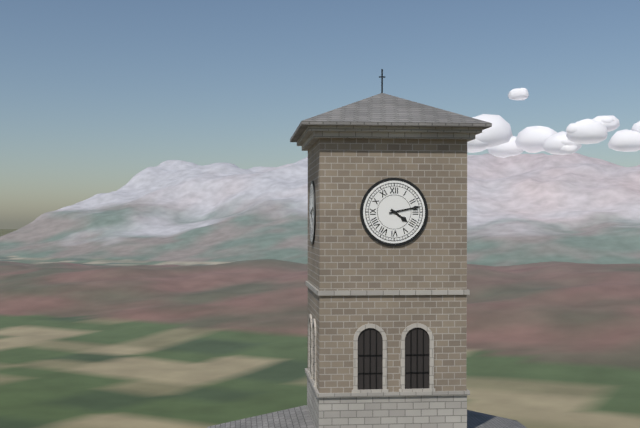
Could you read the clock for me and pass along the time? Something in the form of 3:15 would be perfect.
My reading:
4:13
